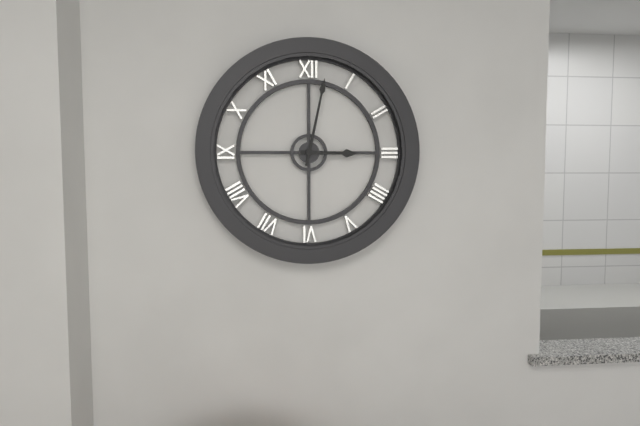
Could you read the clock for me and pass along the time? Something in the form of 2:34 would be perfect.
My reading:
3:02
